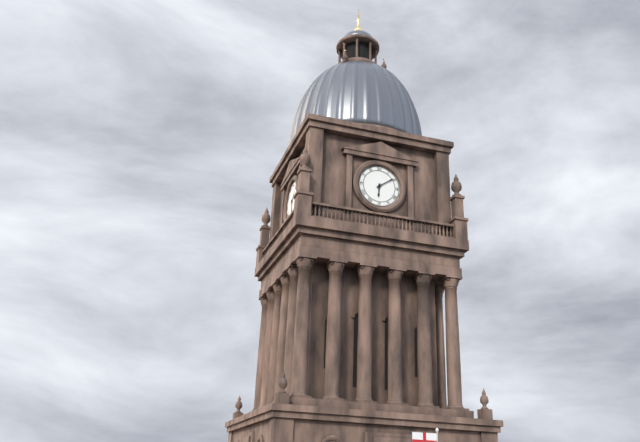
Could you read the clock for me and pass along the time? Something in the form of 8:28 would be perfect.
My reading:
6:09
